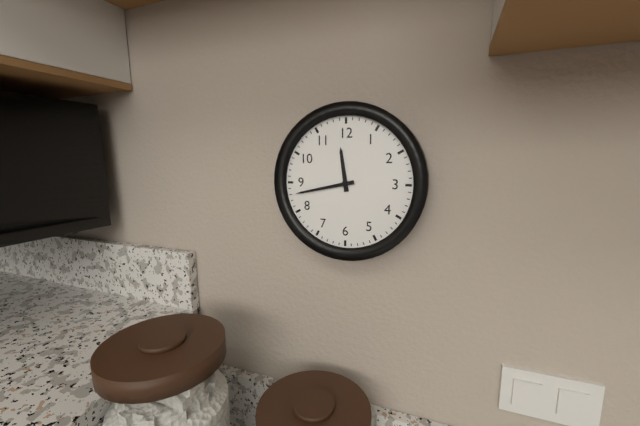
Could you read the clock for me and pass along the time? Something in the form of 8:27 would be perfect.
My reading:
11:43
